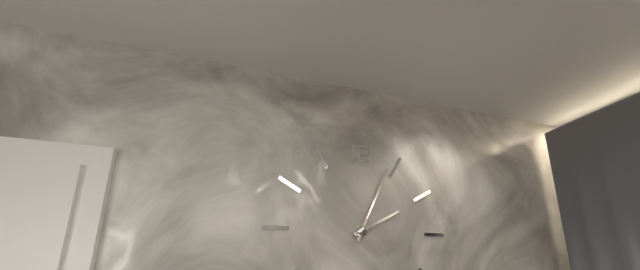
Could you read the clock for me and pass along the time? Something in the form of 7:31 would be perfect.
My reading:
2:04
